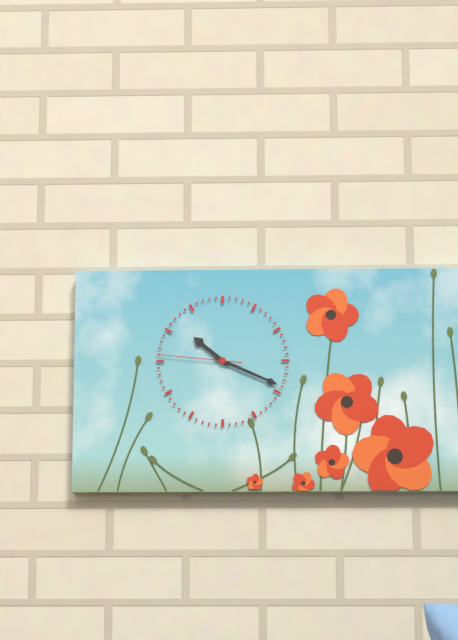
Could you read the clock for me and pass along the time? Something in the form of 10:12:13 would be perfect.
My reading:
10:19:46
